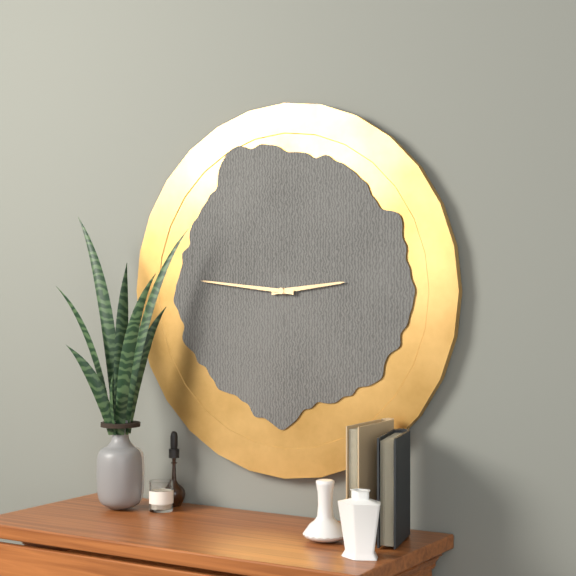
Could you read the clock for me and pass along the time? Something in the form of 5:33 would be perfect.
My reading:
2:46
